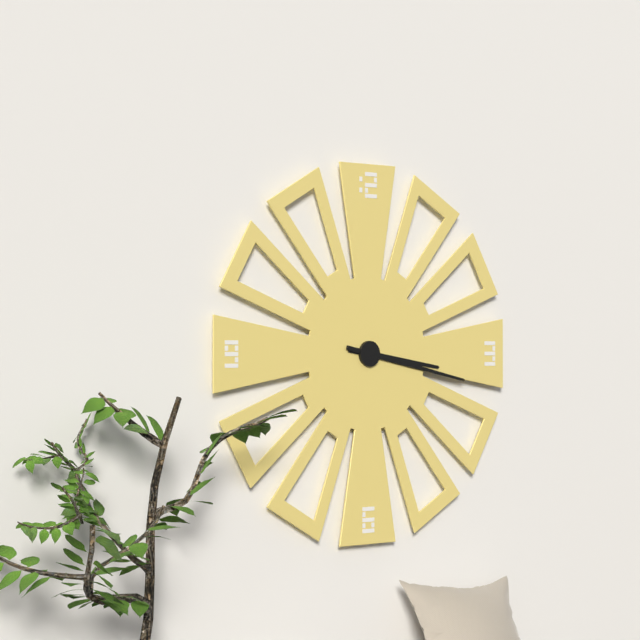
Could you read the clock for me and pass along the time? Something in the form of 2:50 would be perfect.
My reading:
3:17
